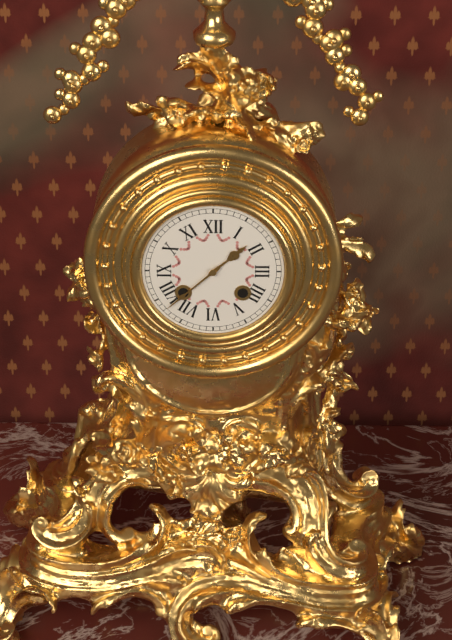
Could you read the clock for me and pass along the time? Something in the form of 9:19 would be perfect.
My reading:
1:38
